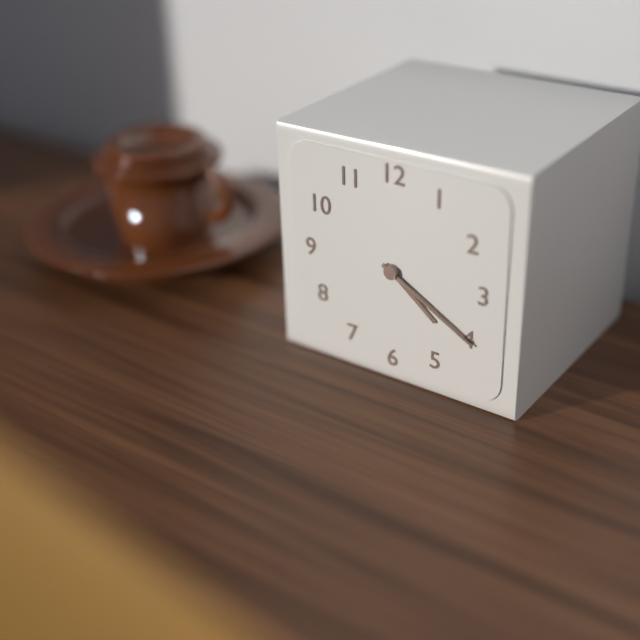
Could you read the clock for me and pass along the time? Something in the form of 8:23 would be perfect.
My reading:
4:20
